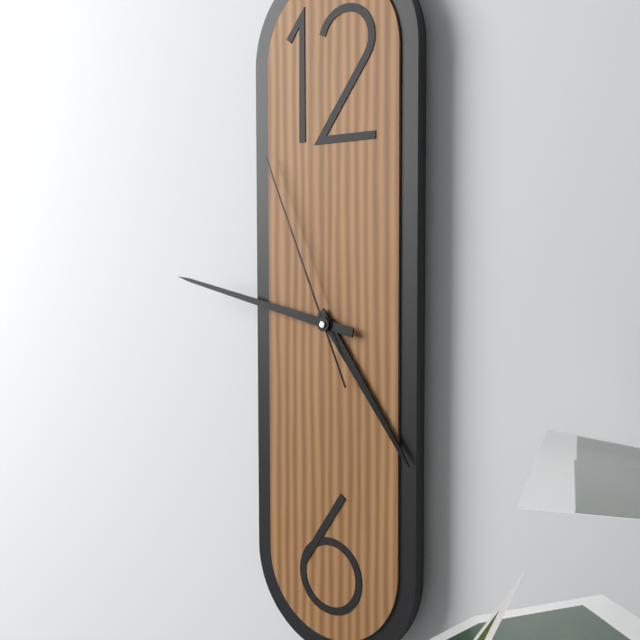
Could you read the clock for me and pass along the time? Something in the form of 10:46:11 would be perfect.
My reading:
4:47:56
